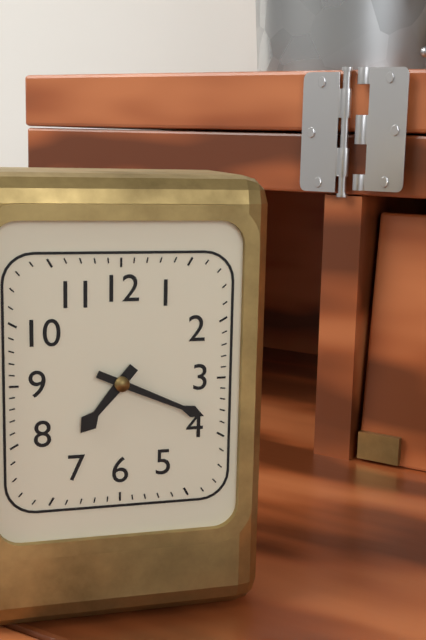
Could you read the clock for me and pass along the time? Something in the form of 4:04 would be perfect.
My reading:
7:19
